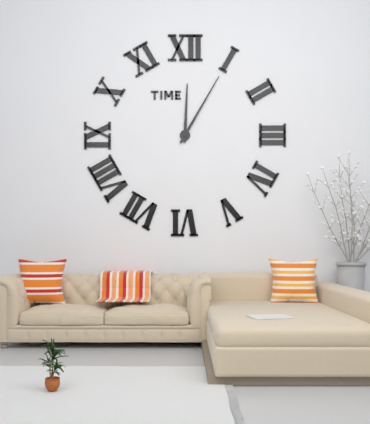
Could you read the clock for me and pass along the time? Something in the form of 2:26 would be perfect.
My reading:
12:05
